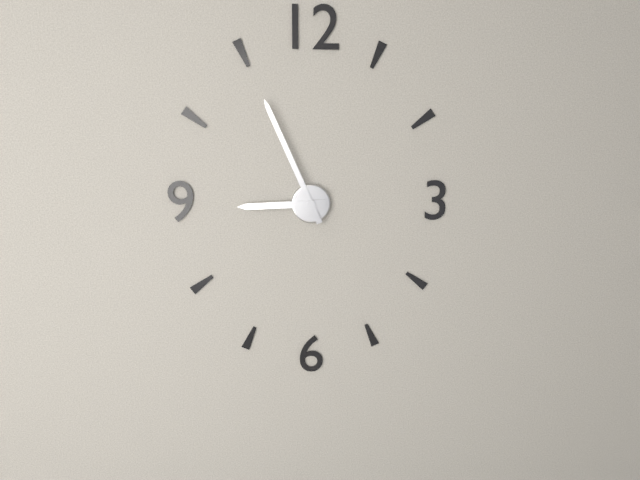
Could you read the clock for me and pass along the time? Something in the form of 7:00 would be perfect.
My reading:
8:56
